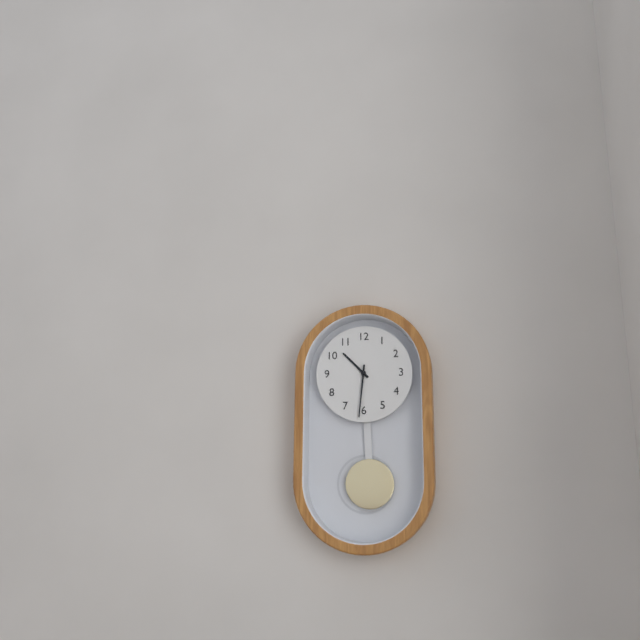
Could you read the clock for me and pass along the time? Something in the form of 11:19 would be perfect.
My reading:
10:31
